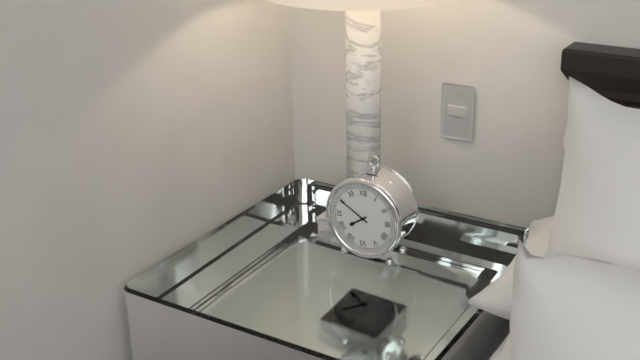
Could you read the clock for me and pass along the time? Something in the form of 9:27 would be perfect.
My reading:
7:50
